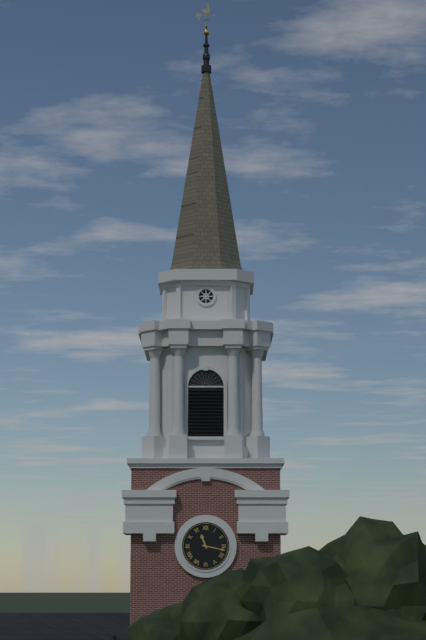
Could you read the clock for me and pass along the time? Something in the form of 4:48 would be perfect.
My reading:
11:17
